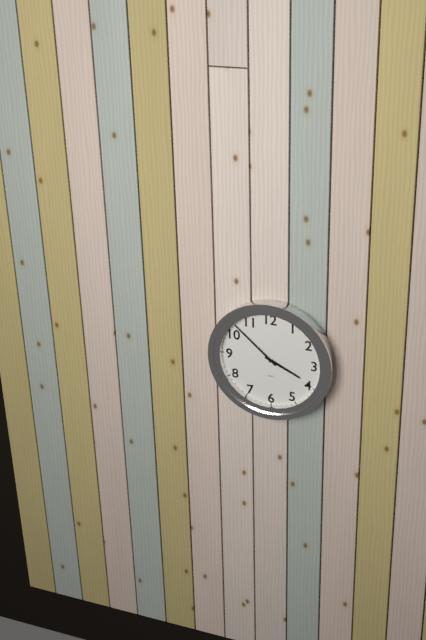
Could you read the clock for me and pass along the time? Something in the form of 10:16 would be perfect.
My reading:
3:52
